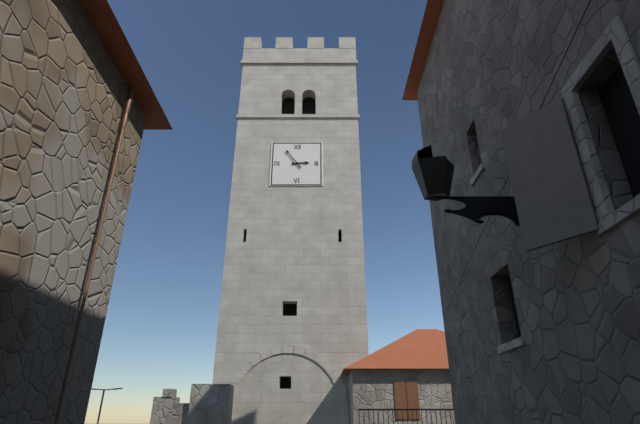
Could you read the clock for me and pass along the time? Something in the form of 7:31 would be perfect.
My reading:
2:54
